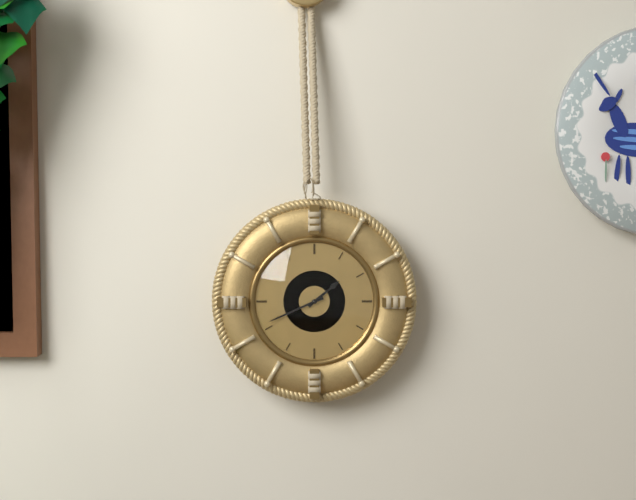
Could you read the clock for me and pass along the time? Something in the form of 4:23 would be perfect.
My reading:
1:41
